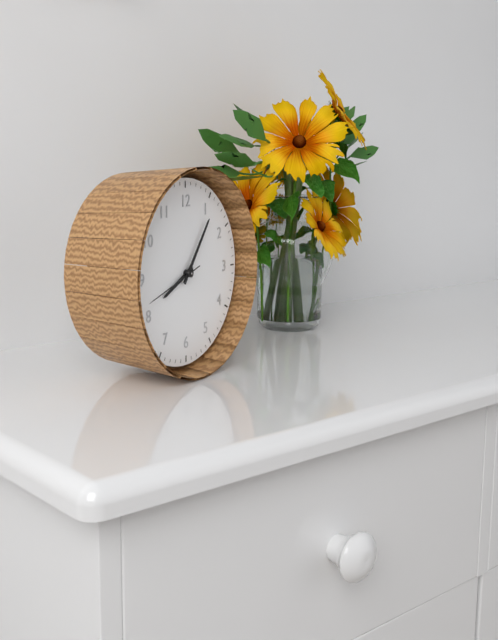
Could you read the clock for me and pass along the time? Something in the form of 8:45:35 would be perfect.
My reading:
8:06:42
